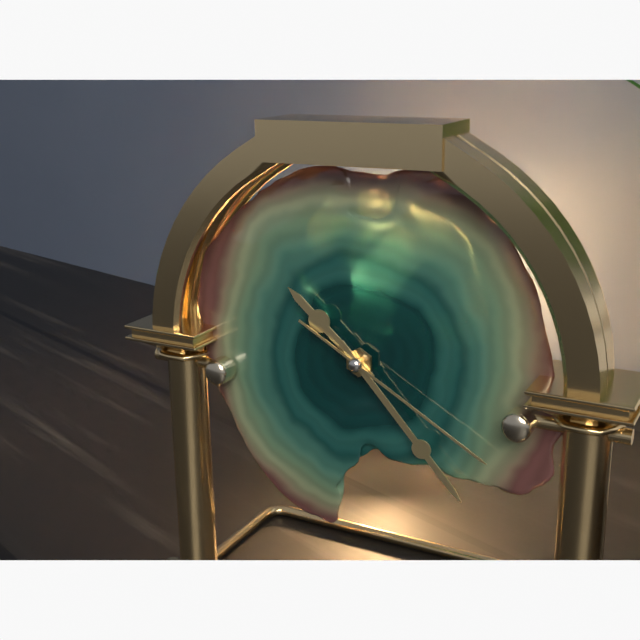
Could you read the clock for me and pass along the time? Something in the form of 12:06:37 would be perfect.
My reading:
10:23:20
